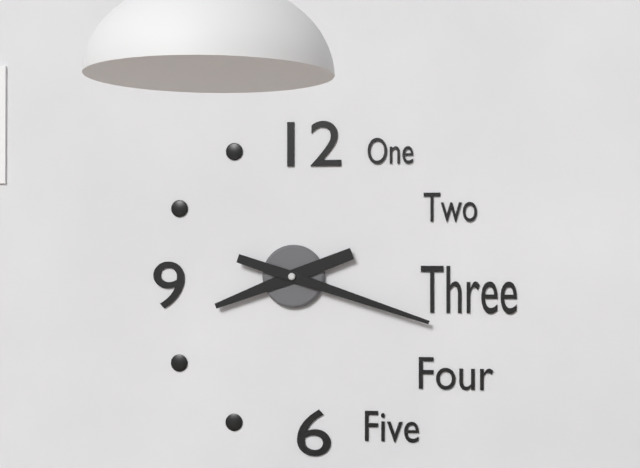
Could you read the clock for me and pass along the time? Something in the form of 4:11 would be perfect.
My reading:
8:18
